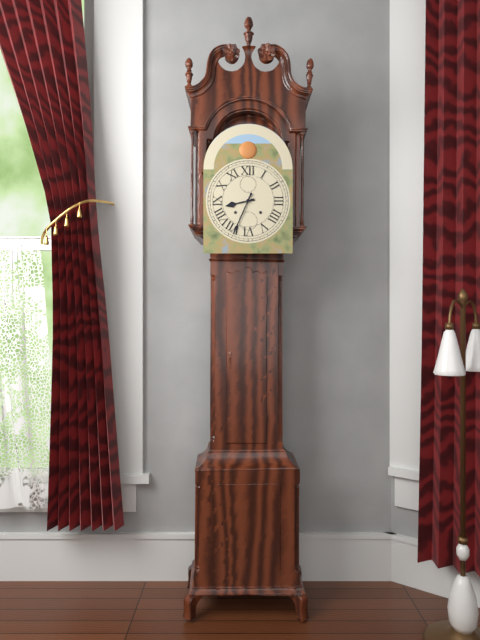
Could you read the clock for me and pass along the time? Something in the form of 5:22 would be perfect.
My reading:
8:34
